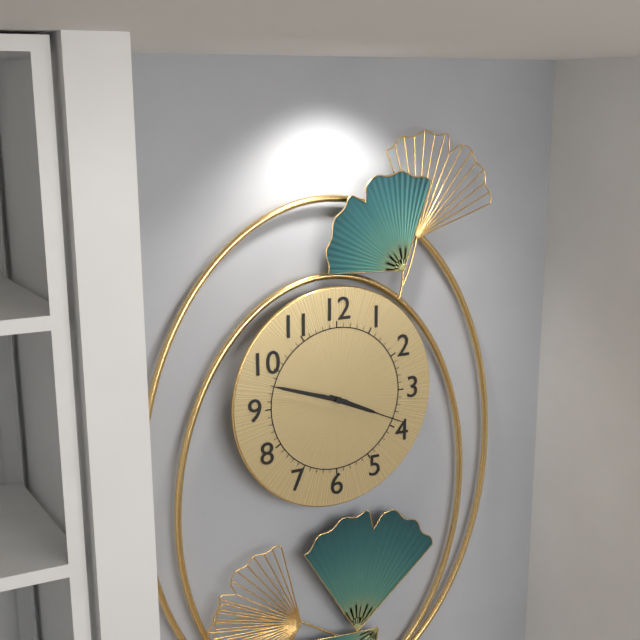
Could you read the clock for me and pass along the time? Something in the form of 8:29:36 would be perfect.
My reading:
3:48:19
